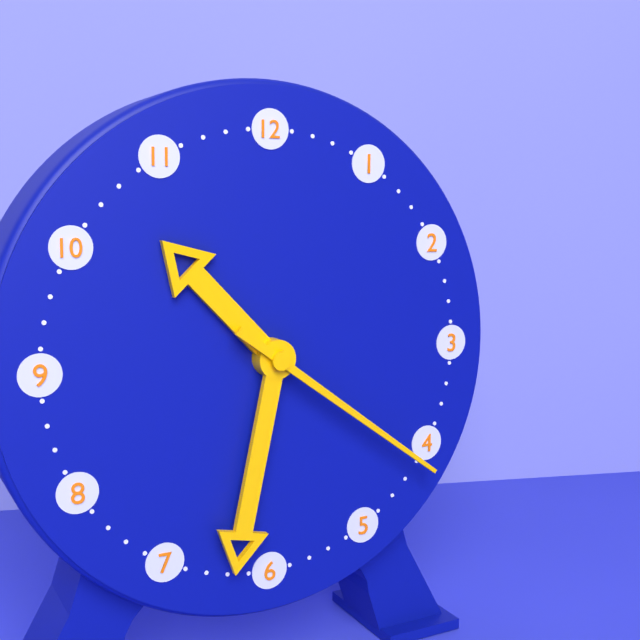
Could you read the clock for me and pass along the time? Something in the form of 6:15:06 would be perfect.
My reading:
10:32:21
